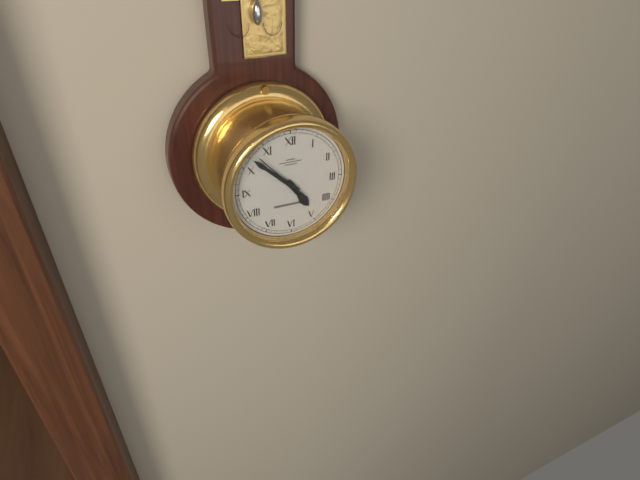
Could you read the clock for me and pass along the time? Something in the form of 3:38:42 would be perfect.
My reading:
4:52:53
